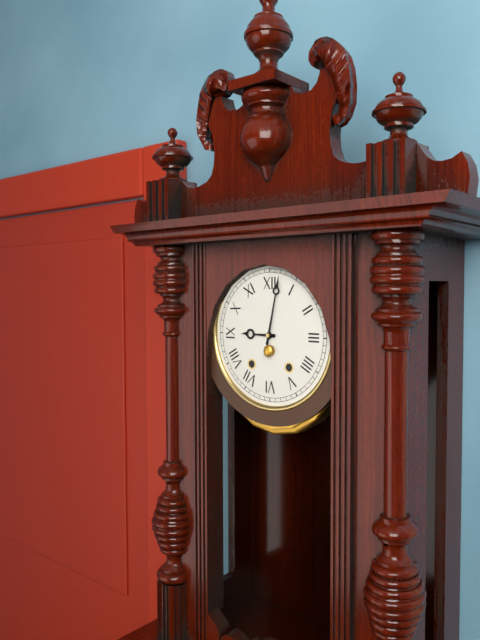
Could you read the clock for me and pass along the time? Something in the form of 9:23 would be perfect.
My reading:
9:02
